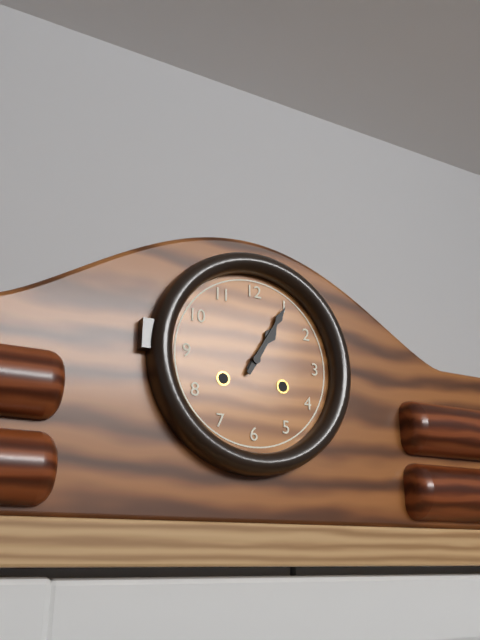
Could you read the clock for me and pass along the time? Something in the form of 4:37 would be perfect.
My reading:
1:05
